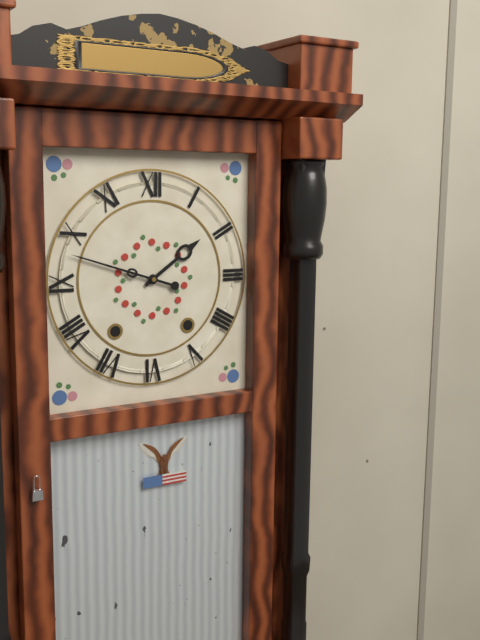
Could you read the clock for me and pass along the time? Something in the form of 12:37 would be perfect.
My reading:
1:48
